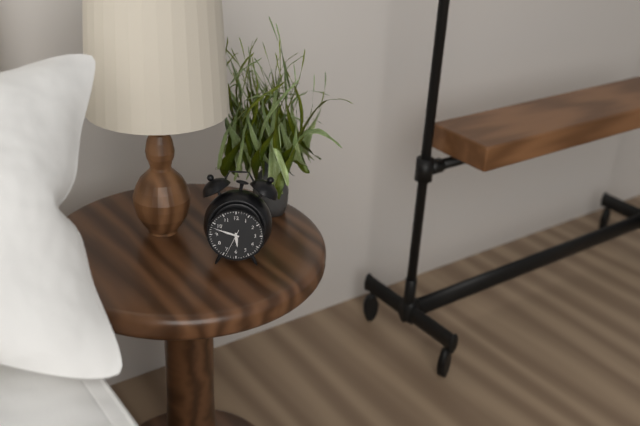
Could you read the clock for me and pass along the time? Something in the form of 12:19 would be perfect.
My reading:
5:48
